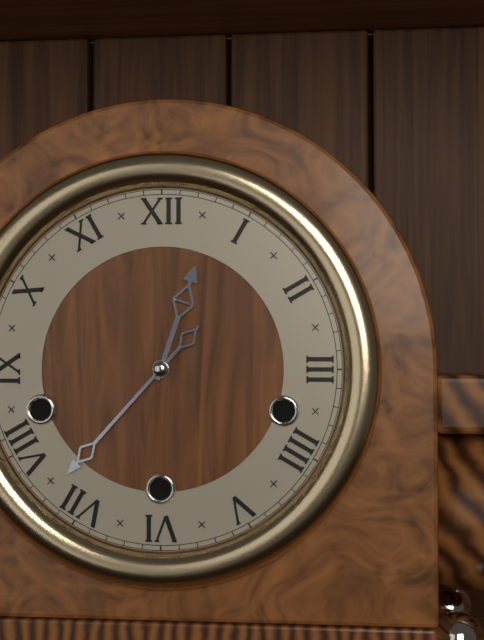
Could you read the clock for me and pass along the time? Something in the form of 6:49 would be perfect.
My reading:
12:37
